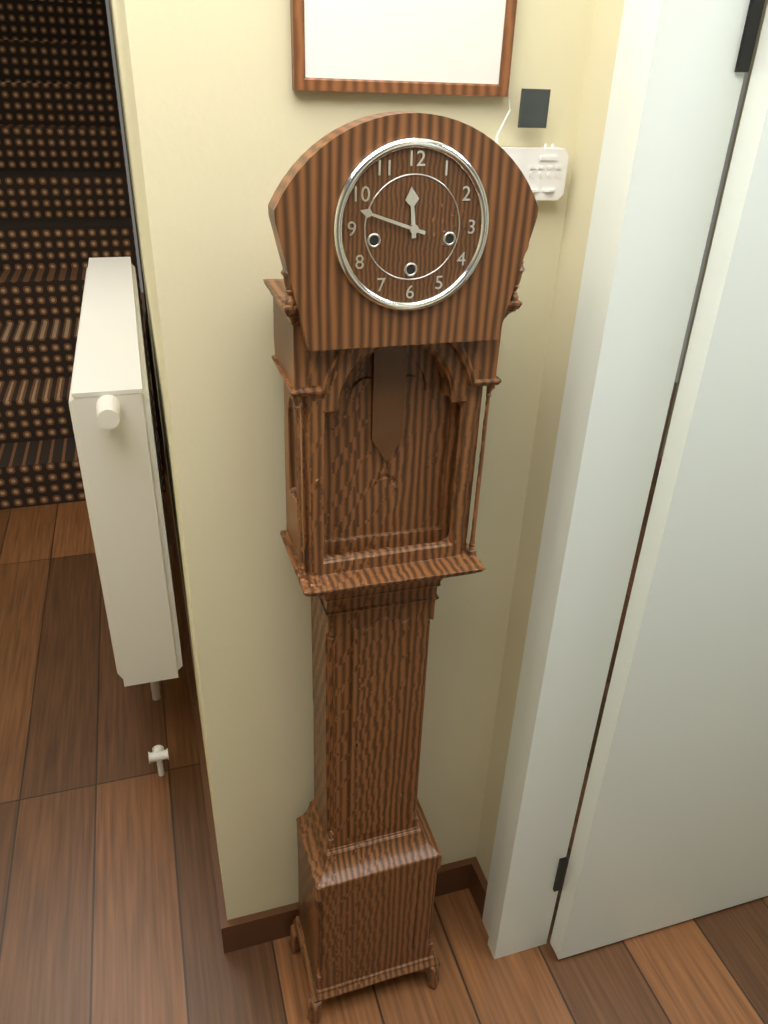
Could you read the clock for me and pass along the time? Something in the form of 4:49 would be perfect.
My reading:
11:48
